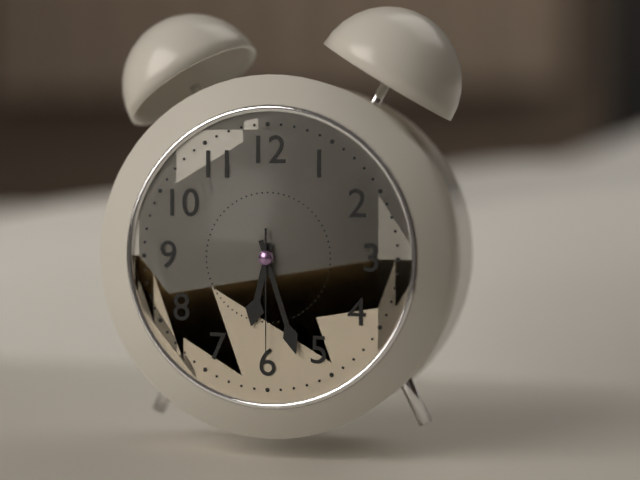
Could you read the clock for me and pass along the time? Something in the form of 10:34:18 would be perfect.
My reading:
6:27:30
